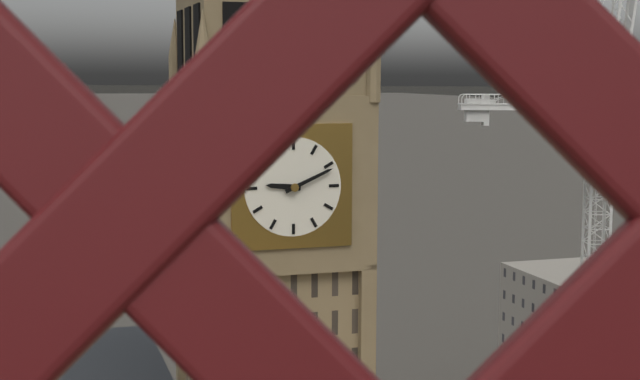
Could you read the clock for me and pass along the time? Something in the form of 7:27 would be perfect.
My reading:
9:11
